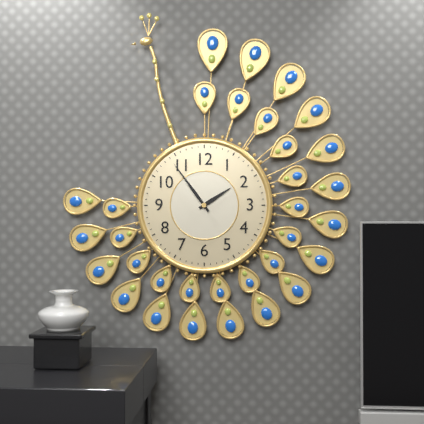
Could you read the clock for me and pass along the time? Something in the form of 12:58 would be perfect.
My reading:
1:54
